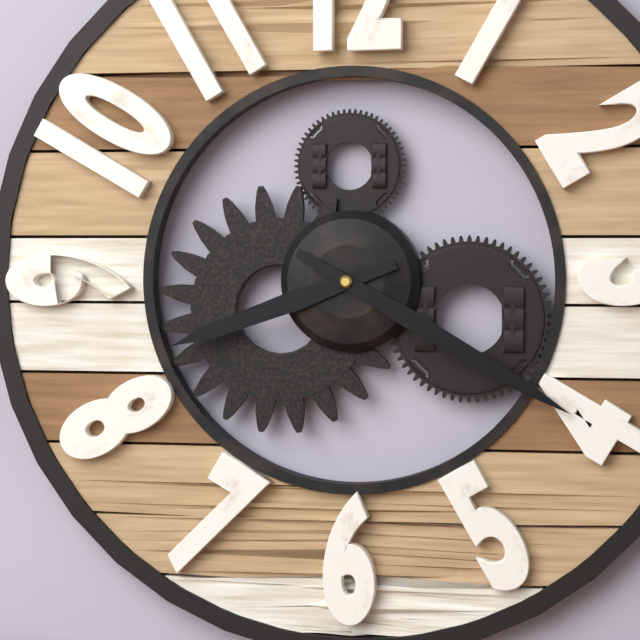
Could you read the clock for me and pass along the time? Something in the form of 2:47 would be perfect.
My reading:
8:20
